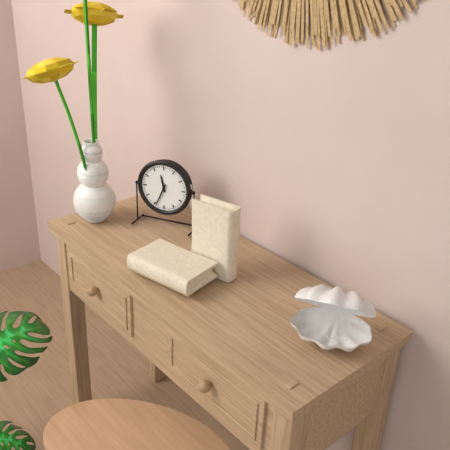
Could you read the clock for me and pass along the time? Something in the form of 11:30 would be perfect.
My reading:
11:34
